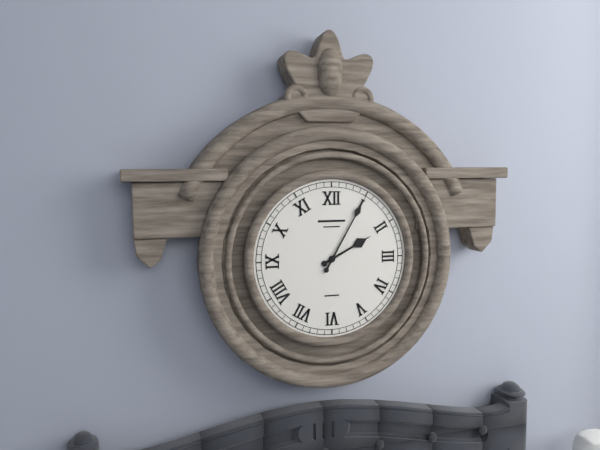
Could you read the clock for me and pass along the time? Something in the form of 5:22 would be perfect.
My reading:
2:05
